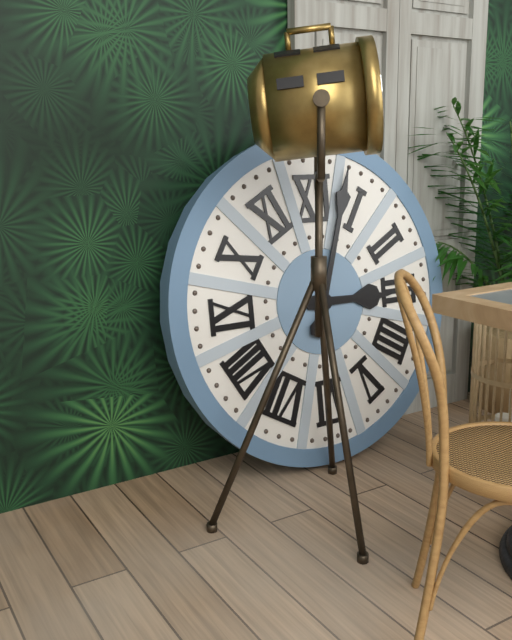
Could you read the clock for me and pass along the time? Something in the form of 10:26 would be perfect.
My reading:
3:03
